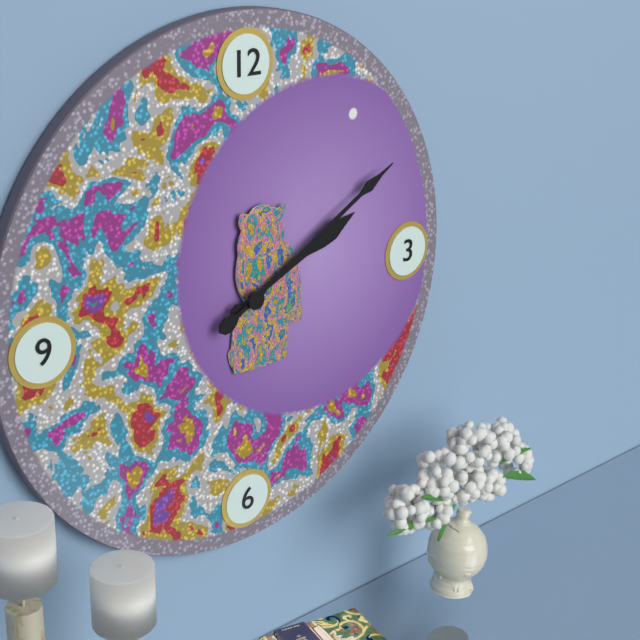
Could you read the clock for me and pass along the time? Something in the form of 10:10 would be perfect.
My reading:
2:10
